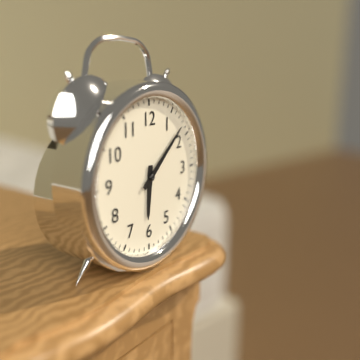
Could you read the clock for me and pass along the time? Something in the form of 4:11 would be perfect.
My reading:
6:08
